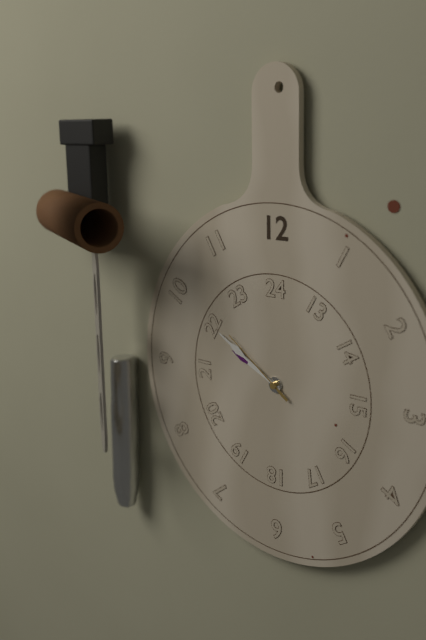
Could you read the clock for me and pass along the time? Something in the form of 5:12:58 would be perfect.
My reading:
9:50:51
